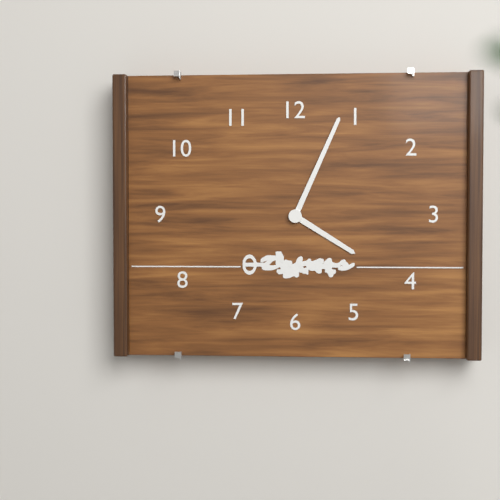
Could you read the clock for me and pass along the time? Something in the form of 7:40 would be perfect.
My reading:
4:04
